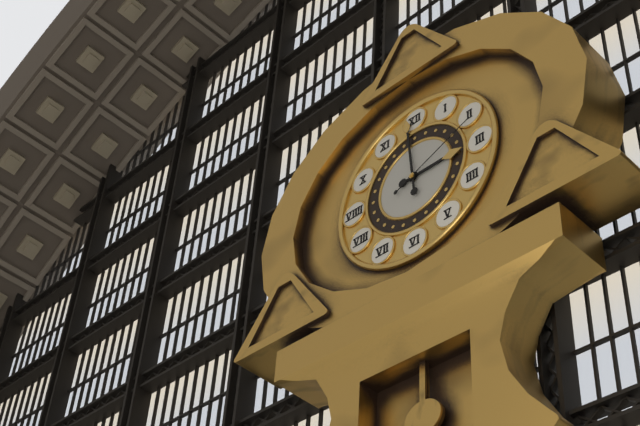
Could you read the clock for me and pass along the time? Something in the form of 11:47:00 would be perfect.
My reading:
2:59:11
